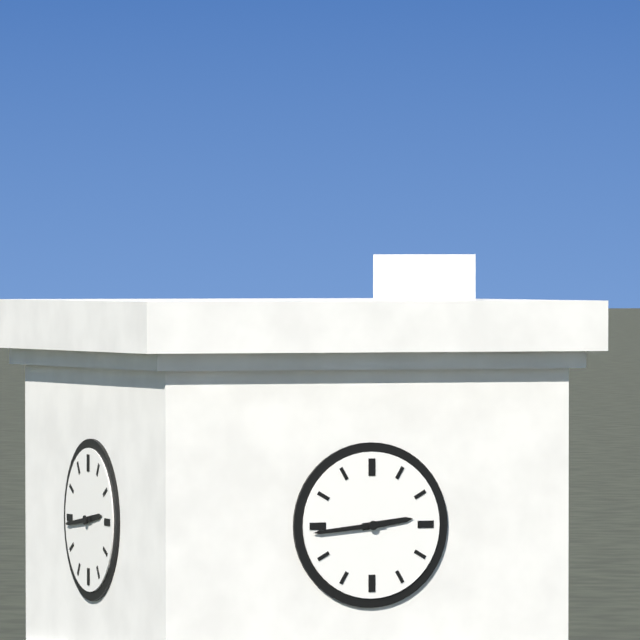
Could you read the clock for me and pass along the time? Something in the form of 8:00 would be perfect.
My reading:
2:44
